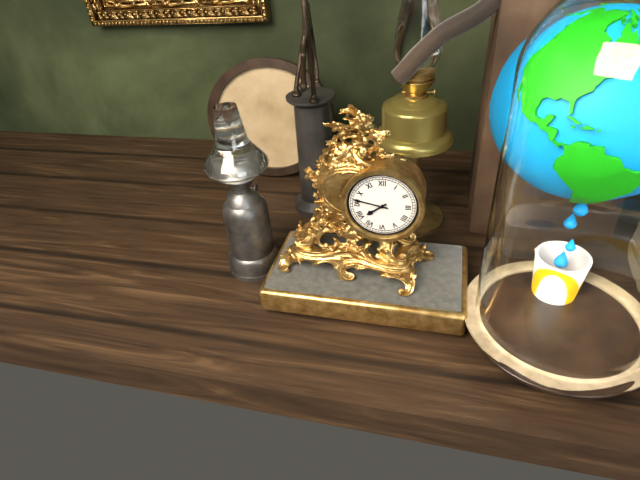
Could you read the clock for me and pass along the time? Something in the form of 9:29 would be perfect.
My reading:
7:47
